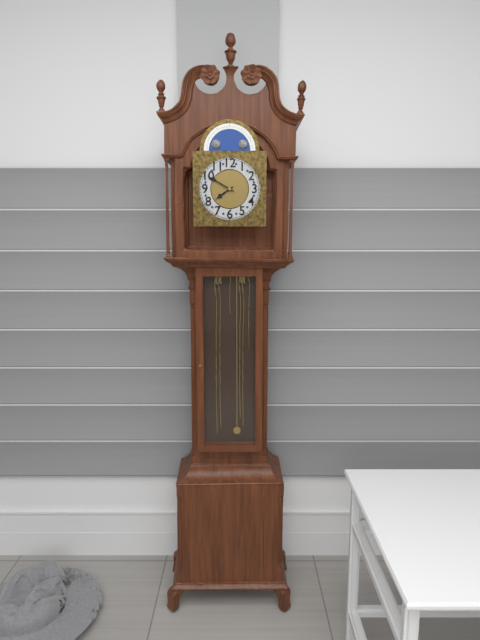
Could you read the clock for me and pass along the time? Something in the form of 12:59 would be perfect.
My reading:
7:50
